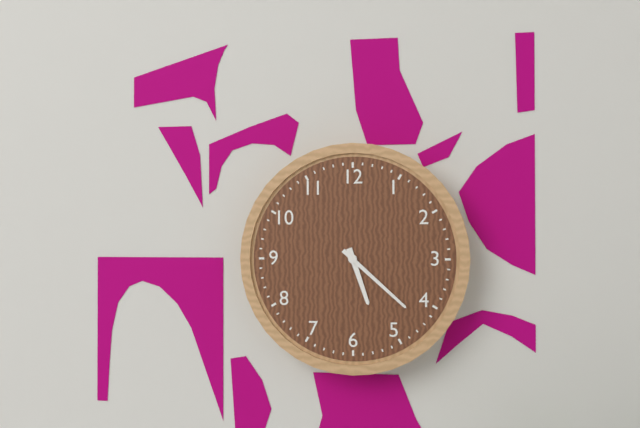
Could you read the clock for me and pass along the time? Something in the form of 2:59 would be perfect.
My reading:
5:22
